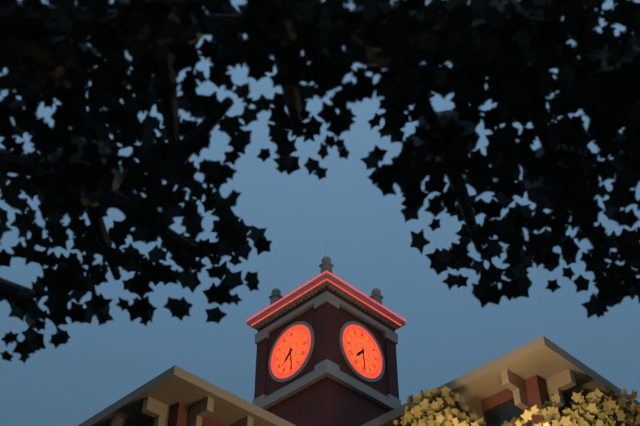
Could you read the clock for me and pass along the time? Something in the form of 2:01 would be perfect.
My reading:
7:29
